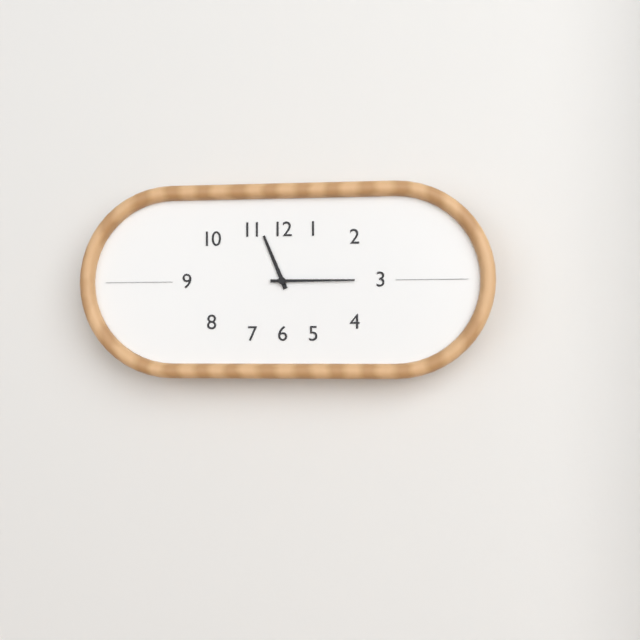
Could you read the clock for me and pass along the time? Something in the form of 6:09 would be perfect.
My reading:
11:15
